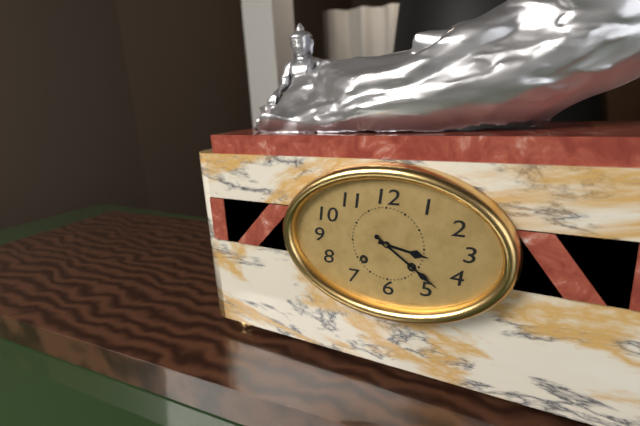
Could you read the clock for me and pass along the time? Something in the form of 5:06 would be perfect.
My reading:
3:21
